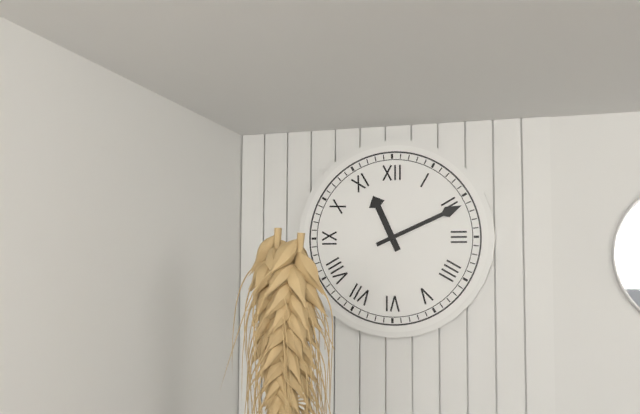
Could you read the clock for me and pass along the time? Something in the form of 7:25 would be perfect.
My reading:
11:11
